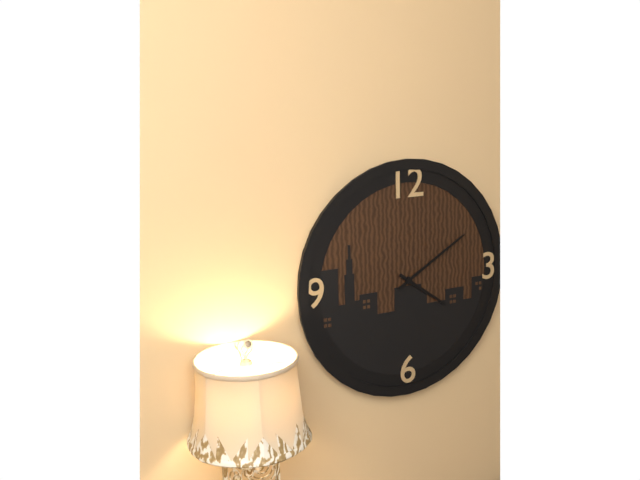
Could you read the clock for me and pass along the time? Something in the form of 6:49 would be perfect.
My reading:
4:10
